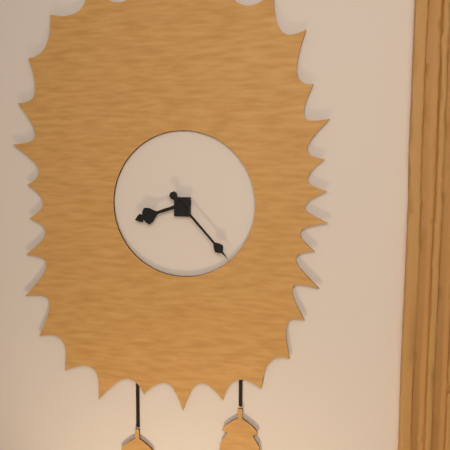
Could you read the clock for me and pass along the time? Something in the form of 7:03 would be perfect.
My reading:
8:23
